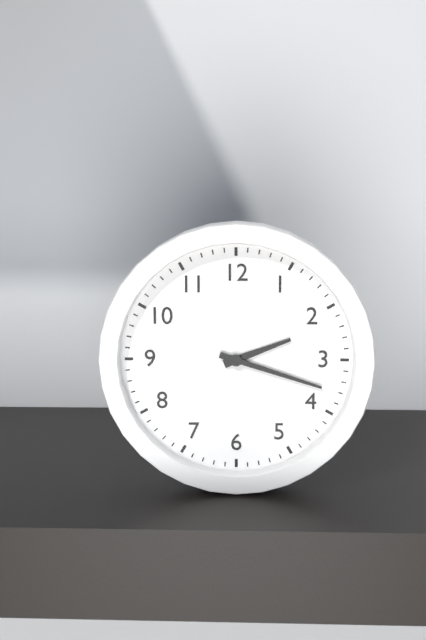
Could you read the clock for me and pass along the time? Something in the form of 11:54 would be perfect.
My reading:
2:18
